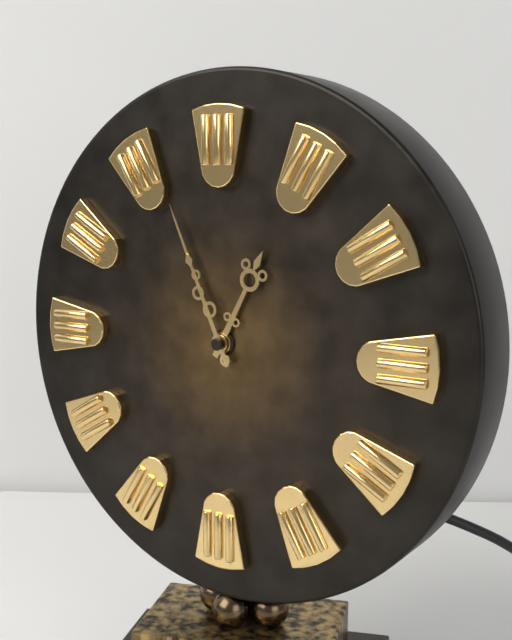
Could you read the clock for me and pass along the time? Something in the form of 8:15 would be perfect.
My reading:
12:56
